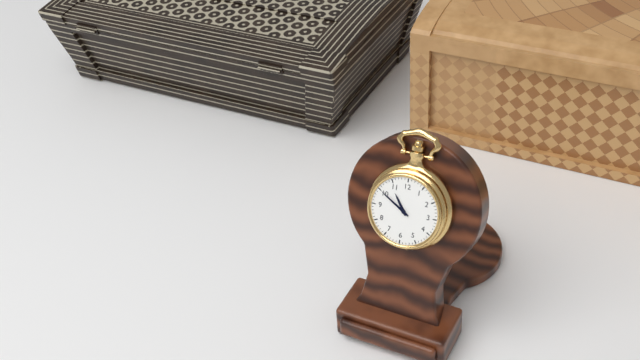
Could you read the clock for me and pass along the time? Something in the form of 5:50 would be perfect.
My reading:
10:50
